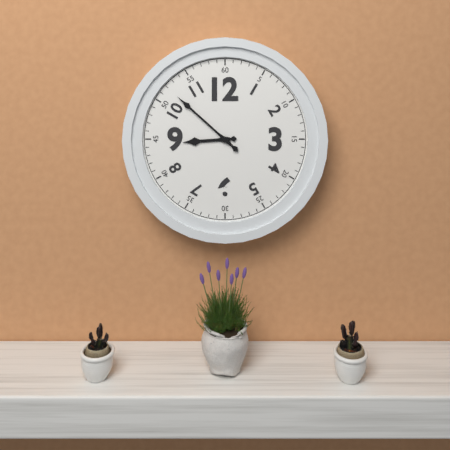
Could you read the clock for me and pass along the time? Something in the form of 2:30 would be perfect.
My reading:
8:52
